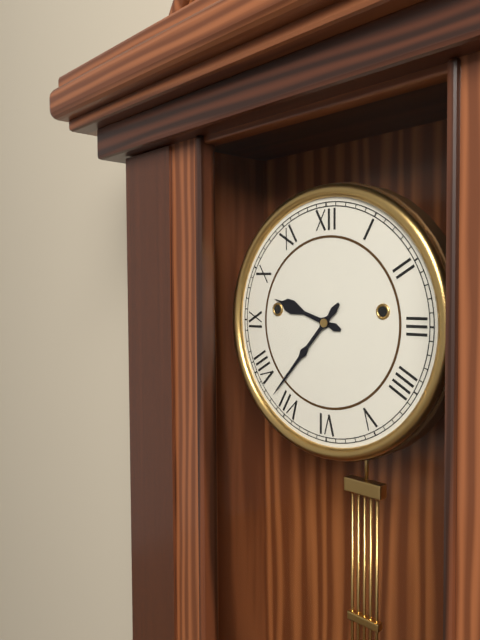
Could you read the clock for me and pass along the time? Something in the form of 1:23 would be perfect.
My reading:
9:37
